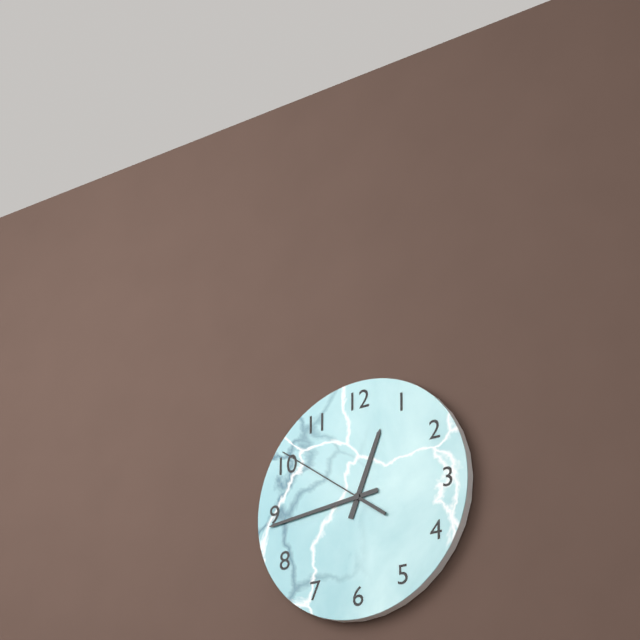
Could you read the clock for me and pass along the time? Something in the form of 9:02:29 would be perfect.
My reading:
12:44:51
